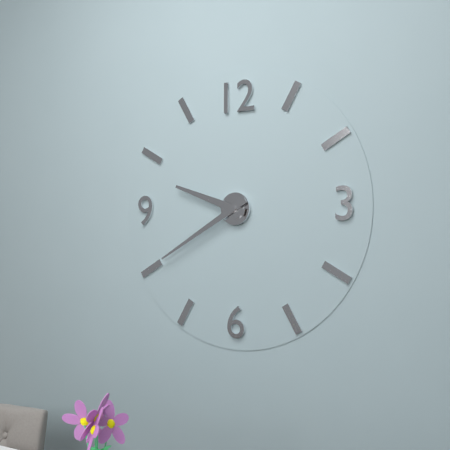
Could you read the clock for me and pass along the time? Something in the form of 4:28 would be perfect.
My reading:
9:40
